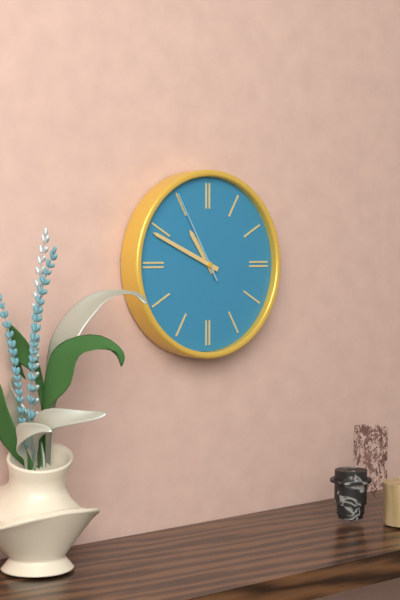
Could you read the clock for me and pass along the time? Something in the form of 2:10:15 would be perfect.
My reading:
10:49:55
